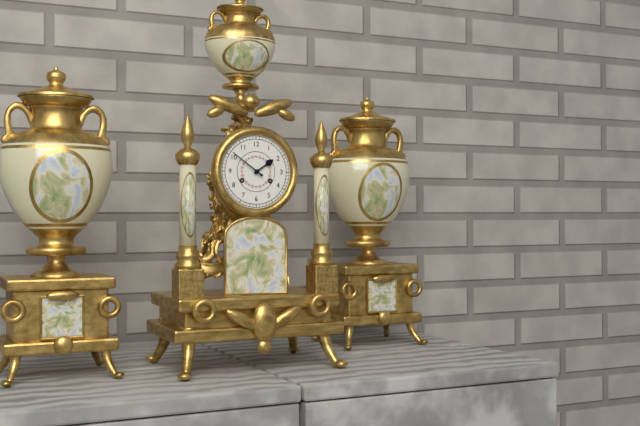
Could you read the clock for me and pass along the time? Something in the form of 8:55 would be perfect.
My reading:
1:51
